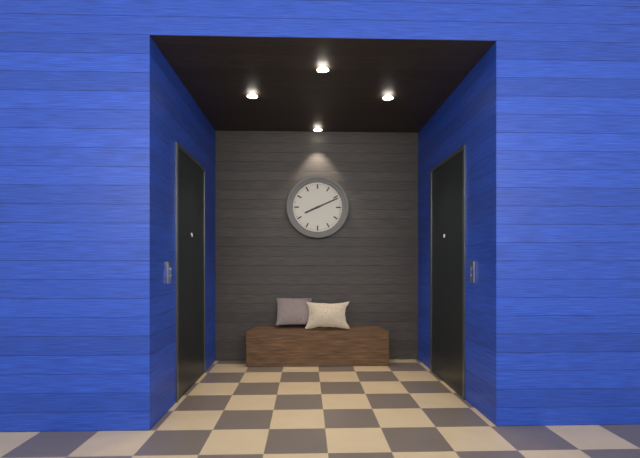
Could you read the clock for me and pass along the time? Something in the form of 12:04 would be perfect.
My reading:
8:11
